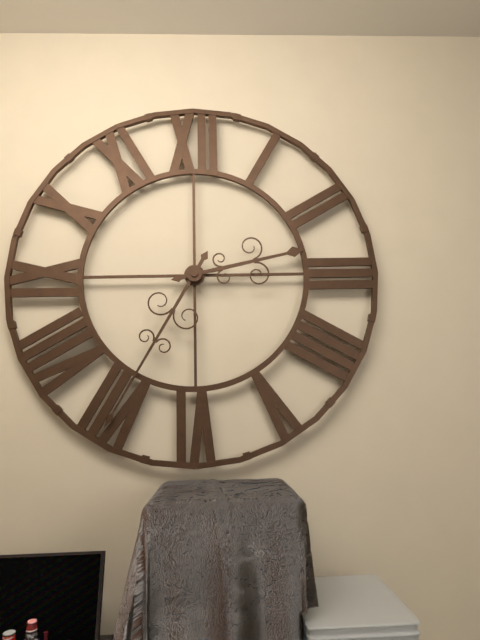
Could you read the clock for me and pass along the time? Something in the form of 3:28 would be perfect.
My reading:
2:35
